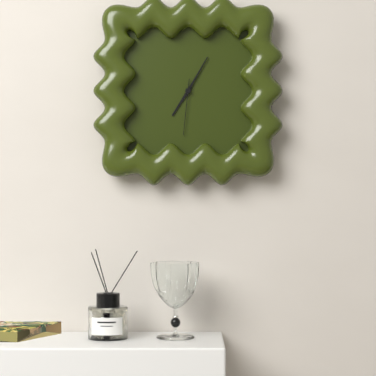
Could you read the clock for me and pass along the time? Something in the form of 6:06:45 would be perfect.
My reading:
7:05:31
